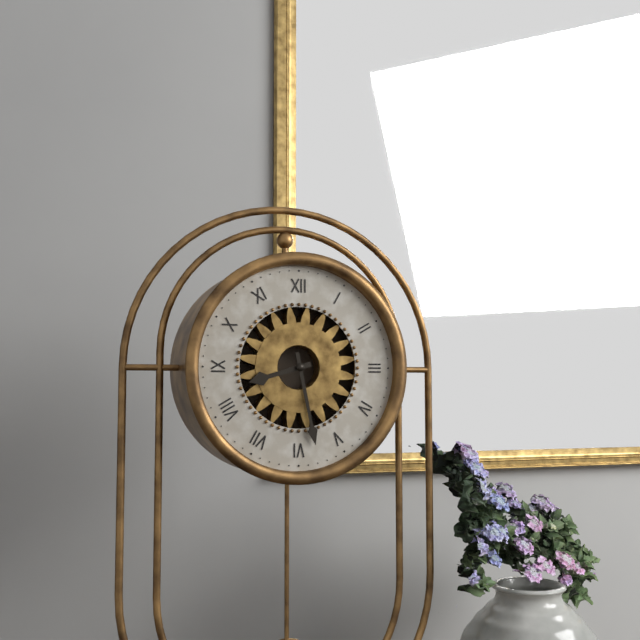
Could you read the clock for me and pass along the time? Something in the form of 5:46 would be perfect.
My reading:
8:28
